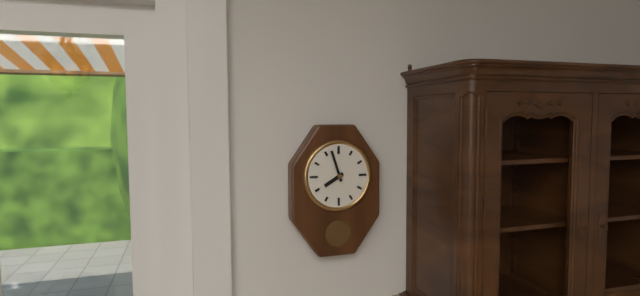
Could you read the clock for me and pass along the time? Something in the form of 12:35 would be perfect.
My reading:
7:57
